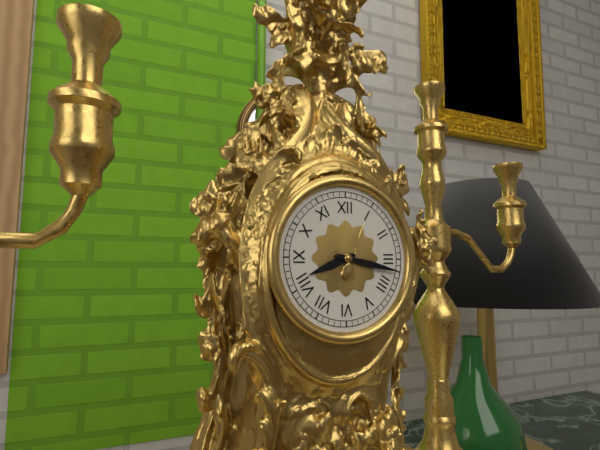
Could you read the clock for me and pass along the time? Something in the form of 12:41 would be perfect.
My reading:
8:17
